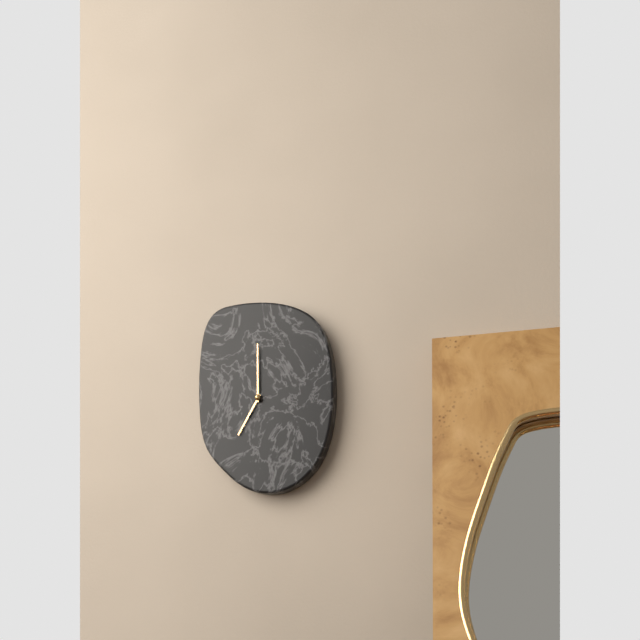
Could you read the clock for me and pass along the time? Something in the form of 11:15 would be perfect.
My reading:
7:00
